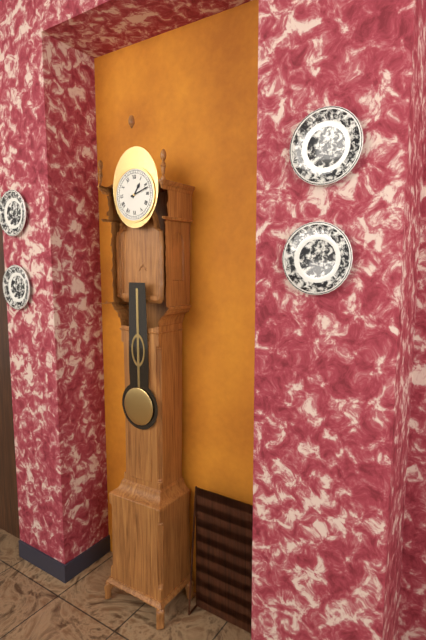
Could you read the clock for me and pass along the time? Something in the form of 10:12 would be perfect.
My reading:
1:12
